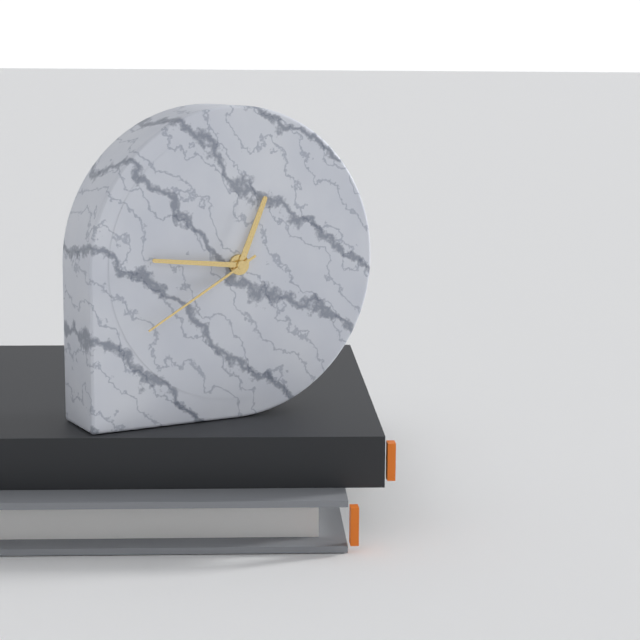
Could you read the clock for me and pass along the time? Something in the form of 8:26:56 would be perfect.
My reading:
12:46:40
